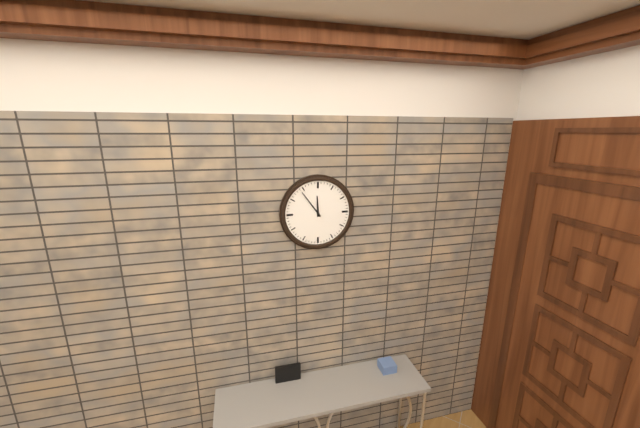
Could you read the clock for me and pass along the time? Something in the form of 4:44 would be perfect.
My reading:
11:54
